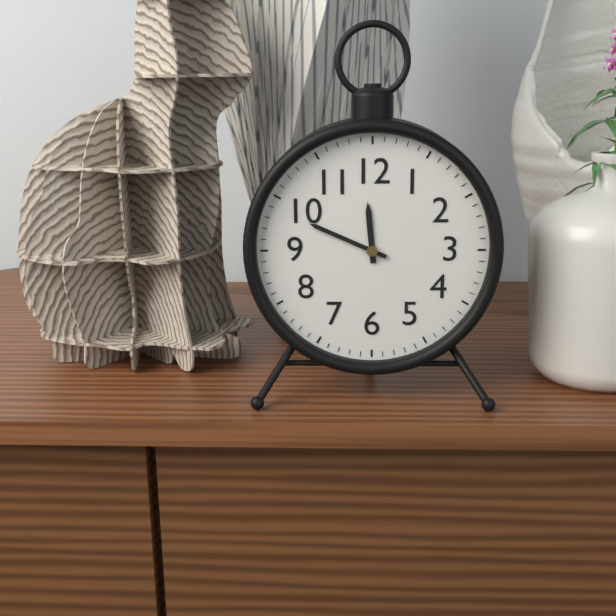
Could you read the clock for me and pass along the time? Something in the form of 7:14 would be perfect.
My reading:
11:49
